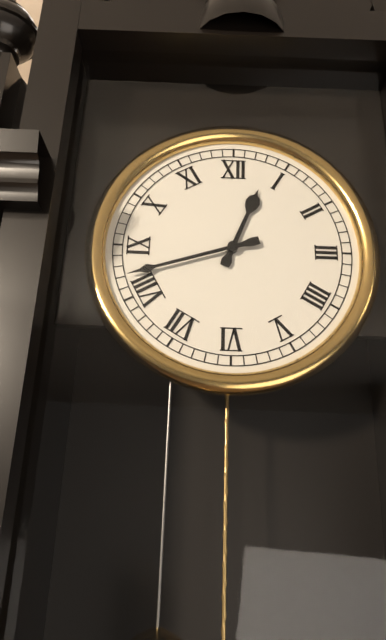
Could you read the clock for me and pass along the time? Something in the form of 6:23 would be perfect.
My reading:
12:42
